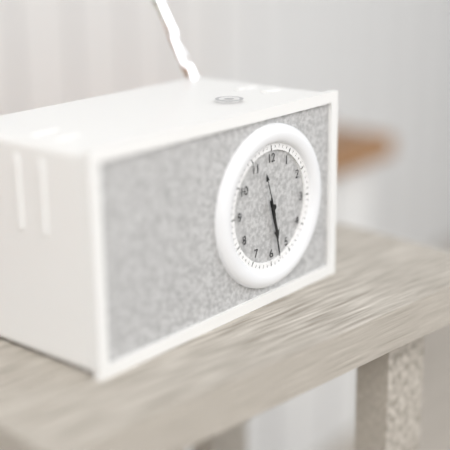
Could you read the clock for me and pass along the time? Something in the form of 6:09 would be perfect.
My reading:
5:28
